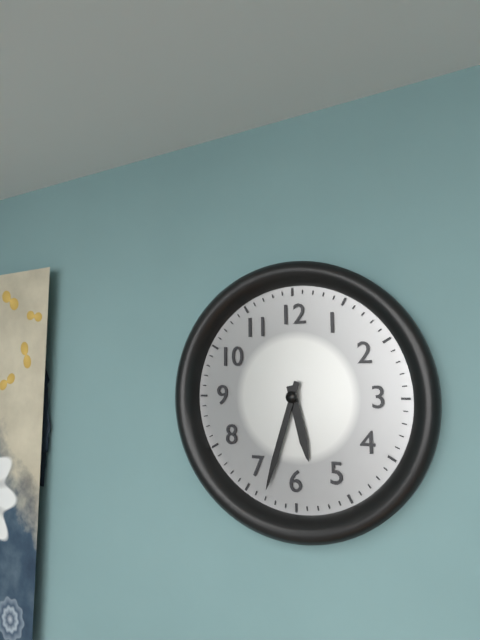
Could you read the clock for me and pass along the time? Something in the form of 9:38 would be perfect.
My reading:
5:33
